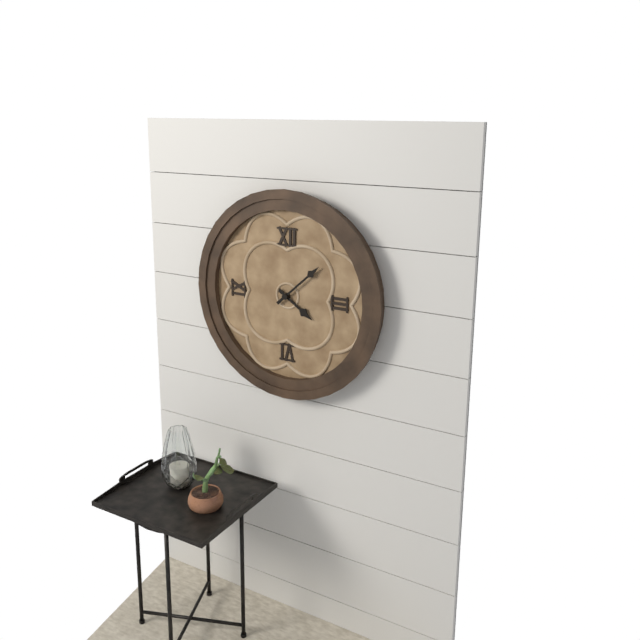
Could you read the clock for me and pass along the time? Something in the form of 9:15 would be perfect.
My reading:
4:08
